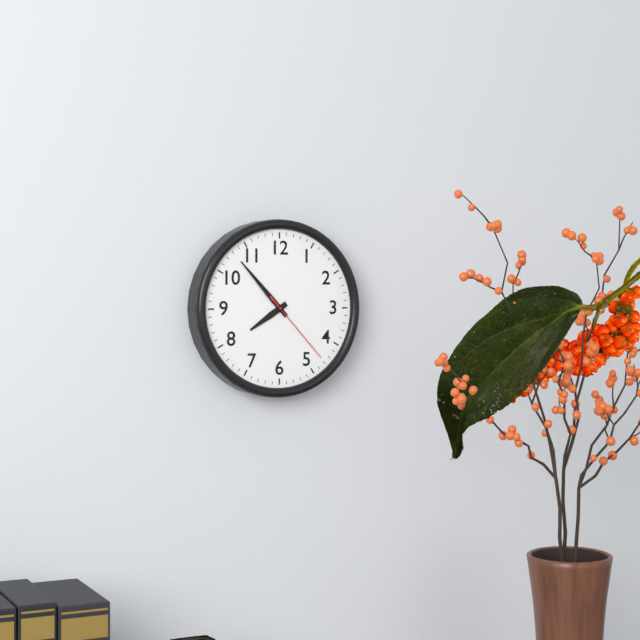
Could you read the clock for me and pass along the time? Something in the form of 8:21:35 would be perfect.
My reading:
7:53:23
